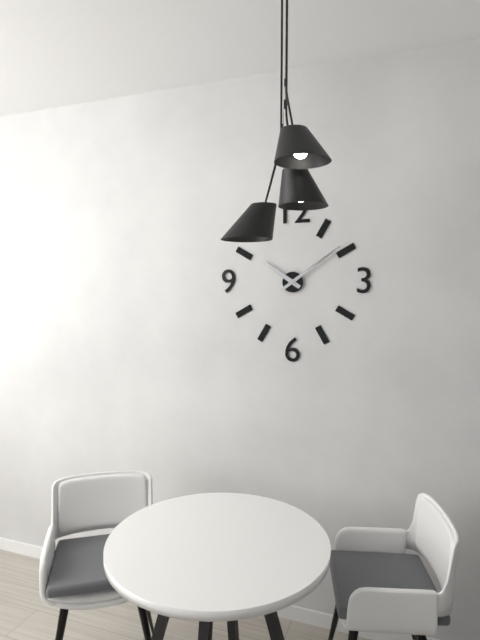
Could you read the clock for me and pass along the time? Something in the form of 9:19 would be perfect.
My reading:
10:09
